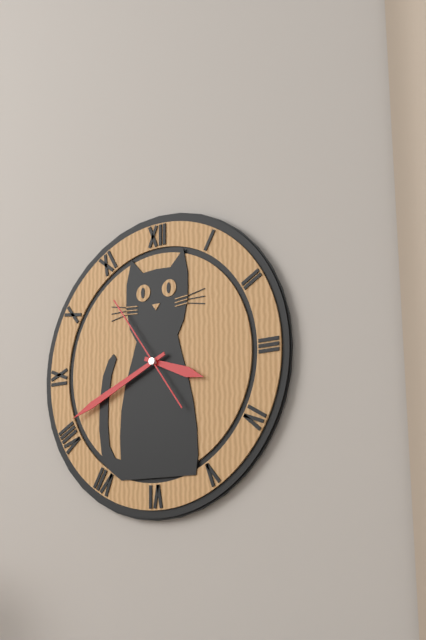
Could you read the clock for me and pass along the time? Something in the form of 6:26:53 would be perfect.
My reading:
3:41:54
